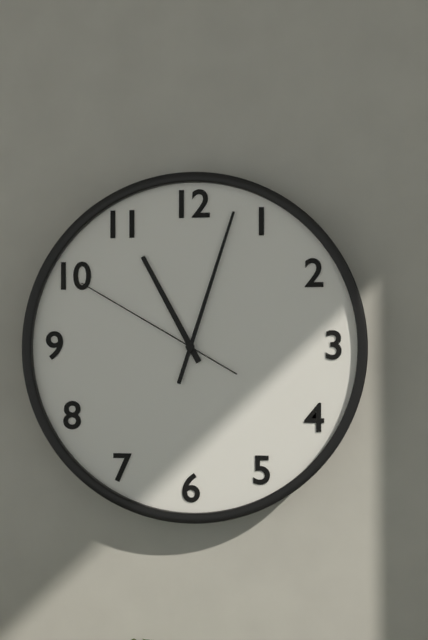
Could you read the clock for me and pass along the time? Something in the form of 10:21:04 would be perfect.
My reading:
11:03:50
